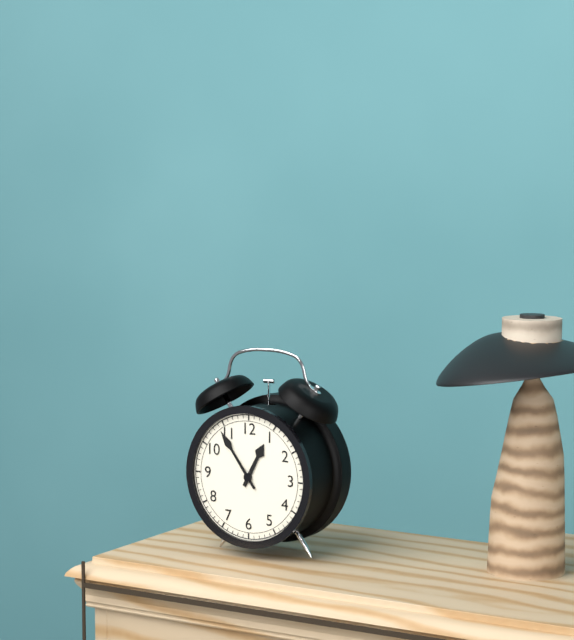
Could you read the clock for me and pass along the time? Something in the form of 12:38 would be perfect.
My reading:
12:54
